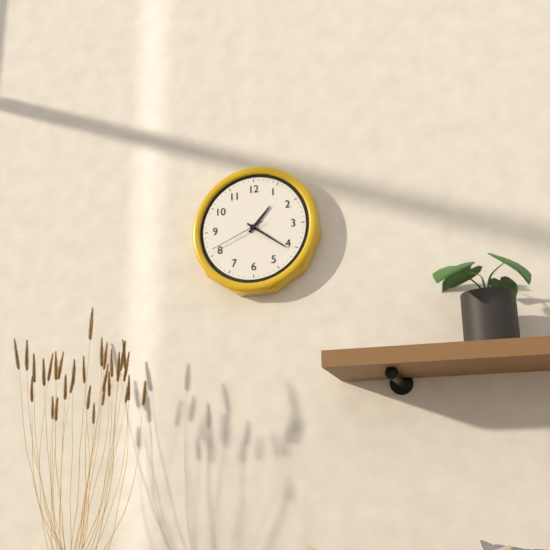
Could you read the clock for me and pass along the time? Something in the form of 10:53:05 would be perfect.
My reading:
1:21:41
